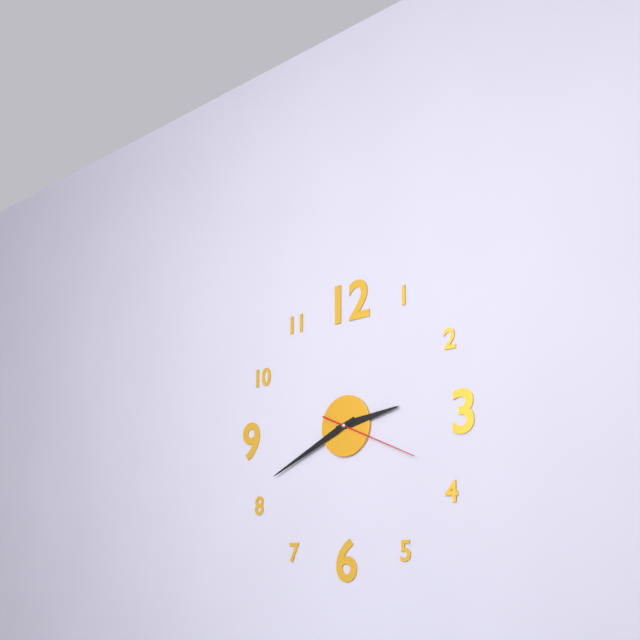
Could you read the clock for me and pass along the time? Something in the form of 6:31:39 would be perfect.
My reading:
2:41:19
